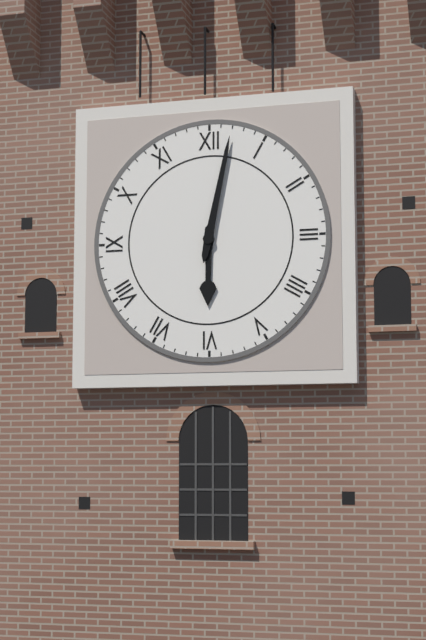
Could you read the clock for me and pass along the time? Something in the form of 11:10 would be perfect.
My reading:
6:02
